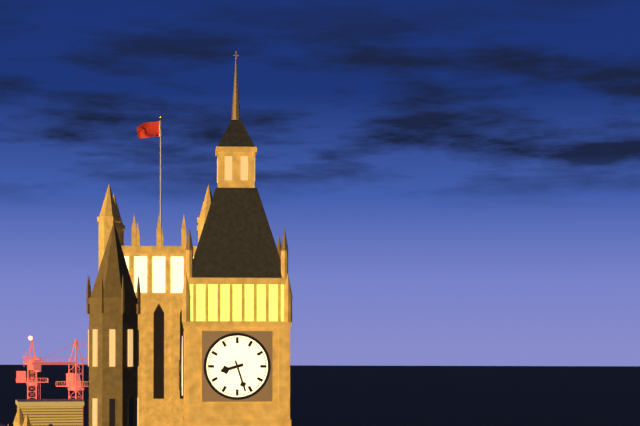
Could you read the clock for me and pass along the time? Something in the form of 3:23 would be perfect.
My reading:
8:27
